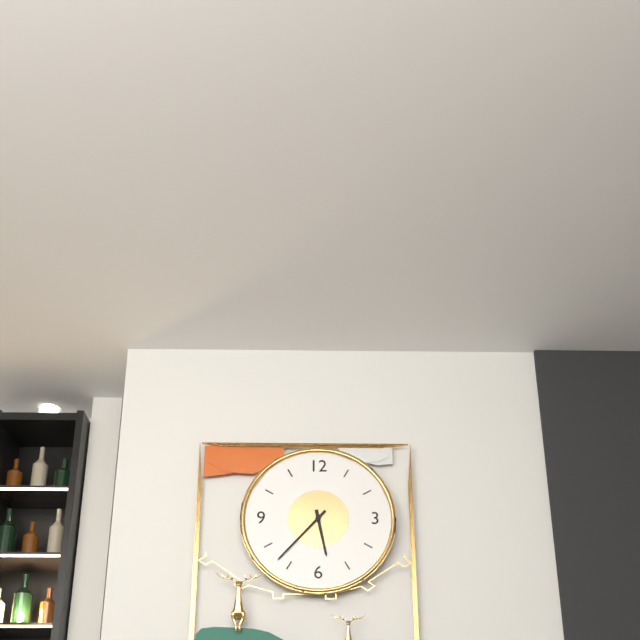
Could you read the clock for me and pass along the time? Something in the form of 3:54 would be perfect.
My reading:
5:37
